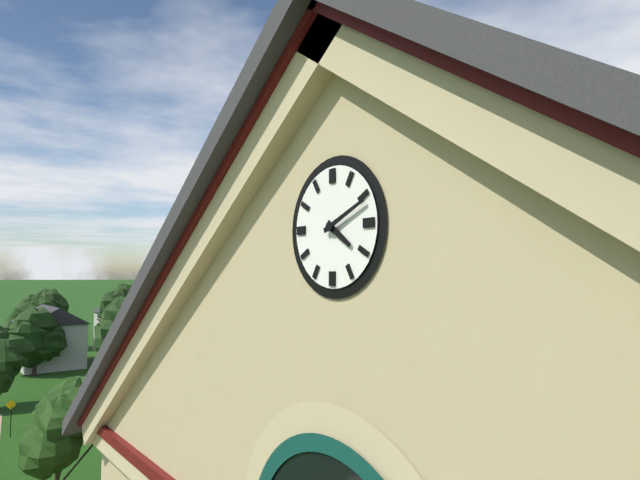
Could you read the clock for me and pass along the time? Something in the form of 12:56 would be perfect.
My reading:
4:11
